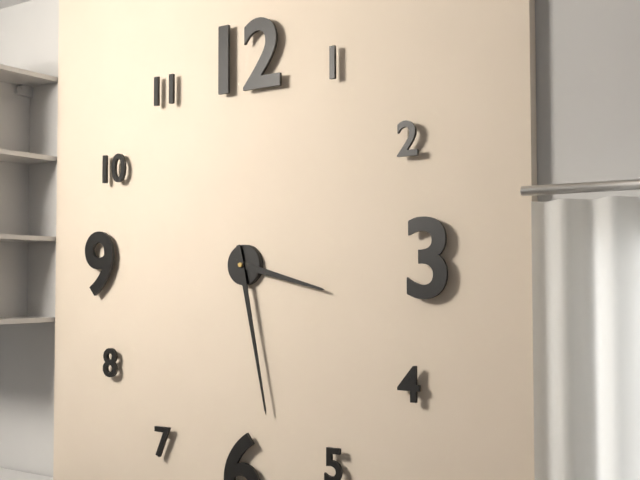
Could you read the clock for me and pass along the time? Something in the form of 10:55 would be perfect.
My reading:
3:28
